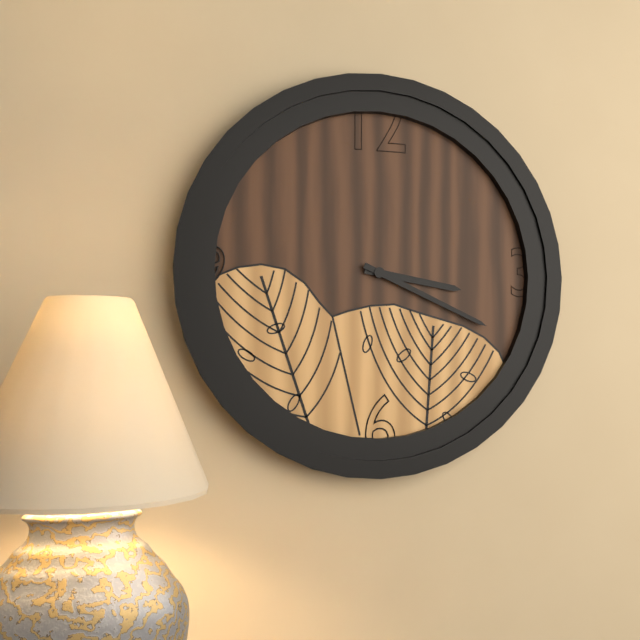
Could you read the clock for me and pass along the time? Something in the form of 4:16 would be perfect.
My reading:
3:19
